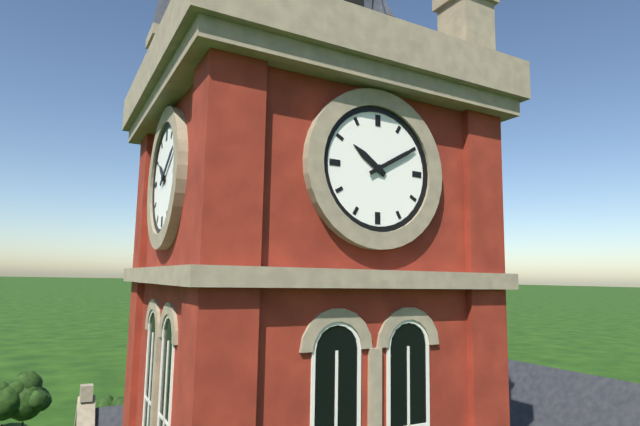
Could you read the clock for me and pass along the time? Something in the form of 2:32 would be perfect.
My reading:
10:10
